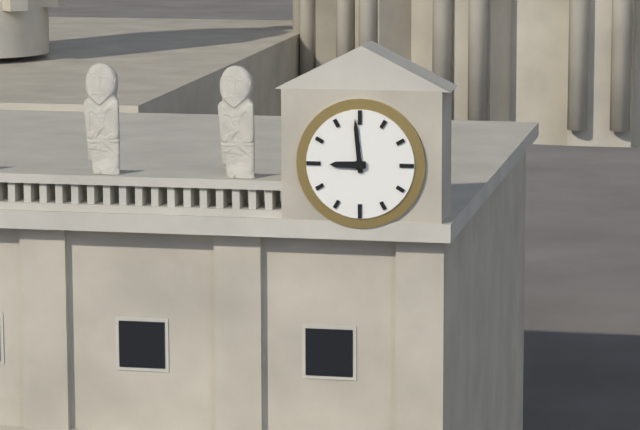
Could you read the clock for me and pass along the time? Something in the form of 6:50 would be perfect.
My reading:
8:59
